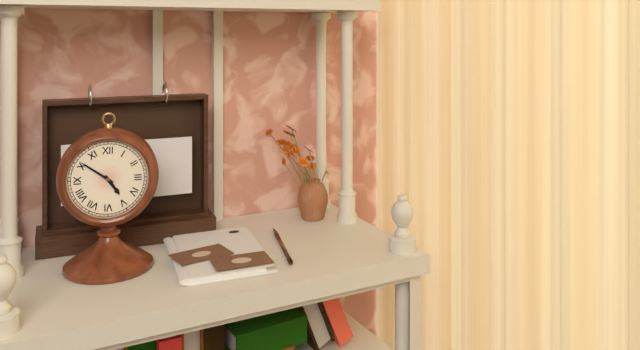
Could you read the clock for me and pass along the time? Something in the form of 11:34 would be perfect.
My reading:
4:51
